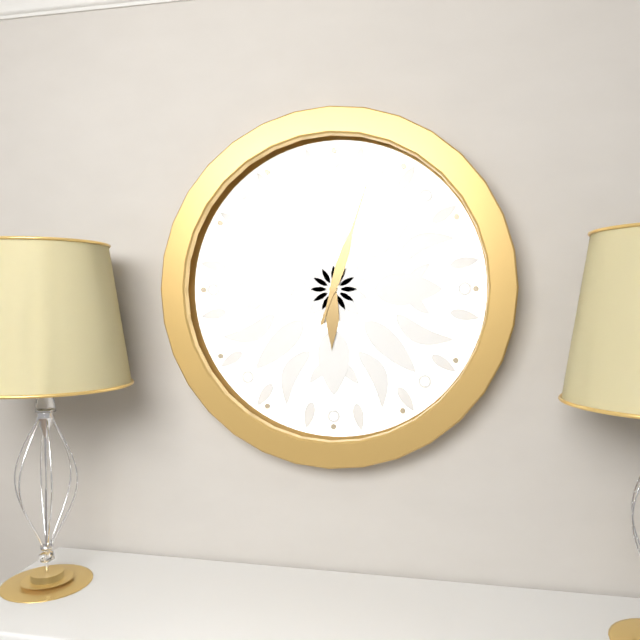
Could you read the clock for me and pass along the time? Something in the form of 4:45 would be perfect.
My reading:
6:03
